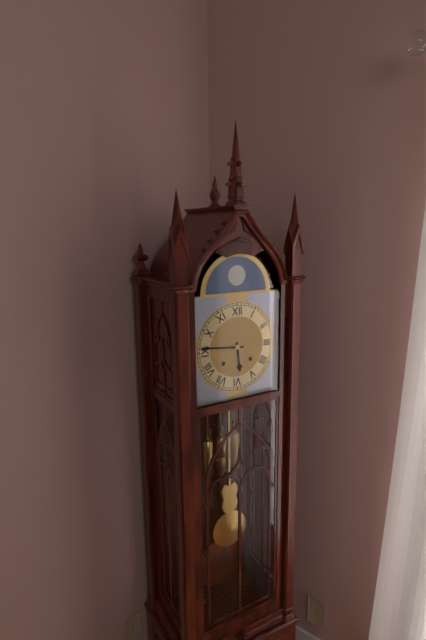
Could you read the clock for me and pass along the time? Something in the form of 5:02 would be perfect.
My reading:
5:46
